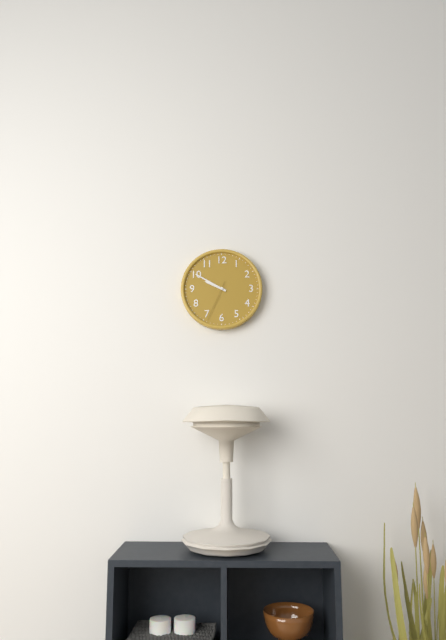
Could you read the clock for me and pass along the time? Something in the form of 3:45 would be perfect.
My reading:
9:50
